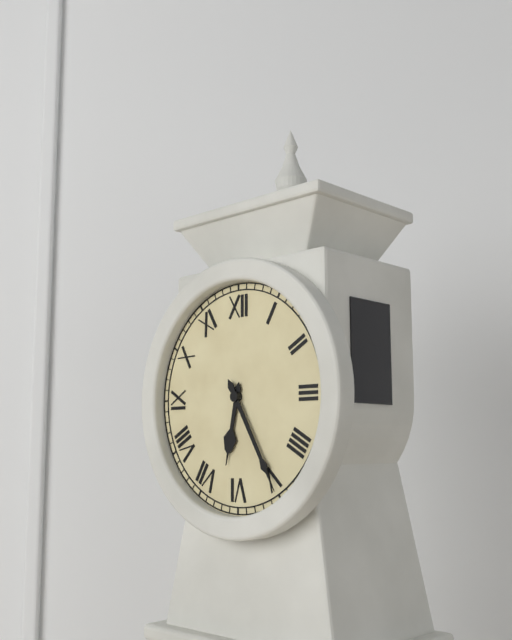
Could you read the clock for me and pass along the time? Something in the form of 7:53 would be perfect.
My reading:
6:25
